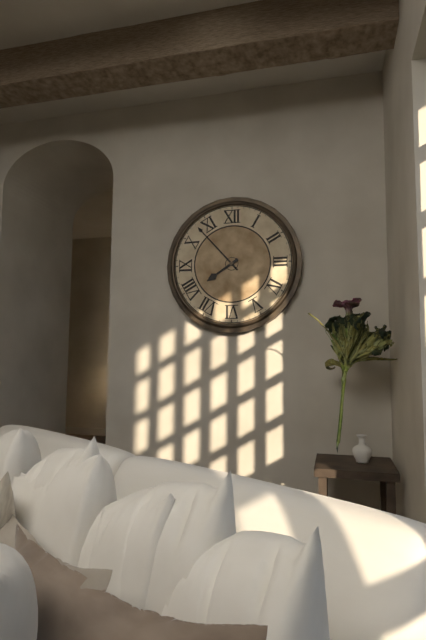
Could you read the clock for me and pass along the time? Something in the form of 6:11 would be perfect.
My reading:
7:53
